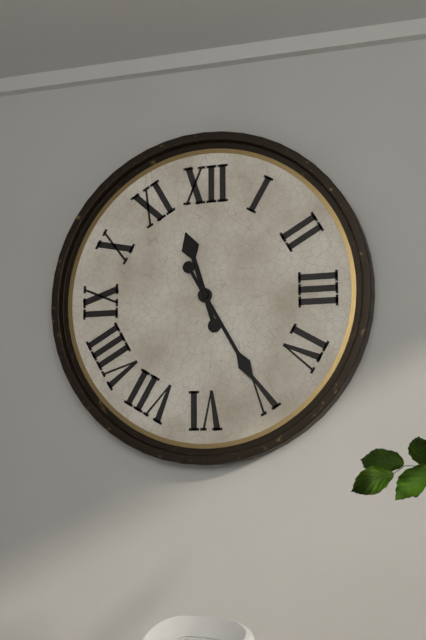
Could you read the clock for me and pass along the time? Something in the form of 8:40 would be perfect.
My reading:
11:25
